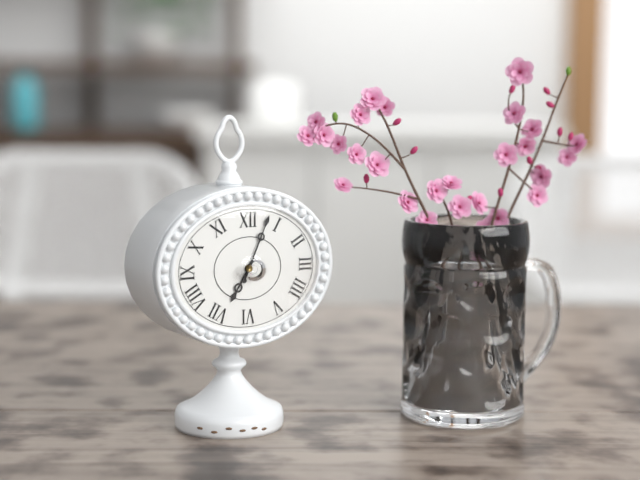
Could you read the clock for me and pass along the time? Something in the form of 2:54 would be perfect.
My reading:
7:04
